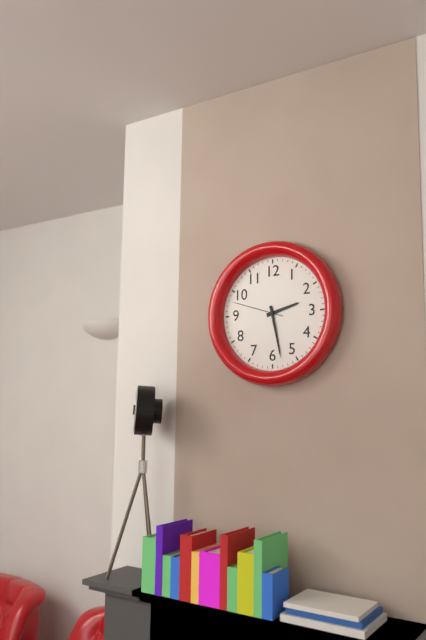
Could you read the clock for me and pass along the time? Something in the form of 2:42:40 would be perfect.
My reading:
2:28:48
